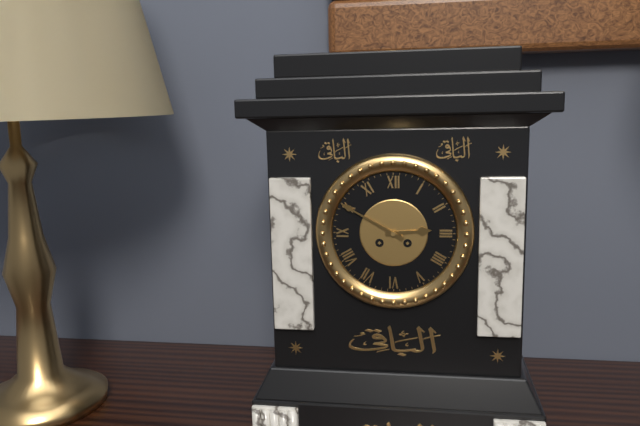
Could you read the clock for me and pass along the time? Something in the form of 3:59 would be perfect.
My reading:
2:50
